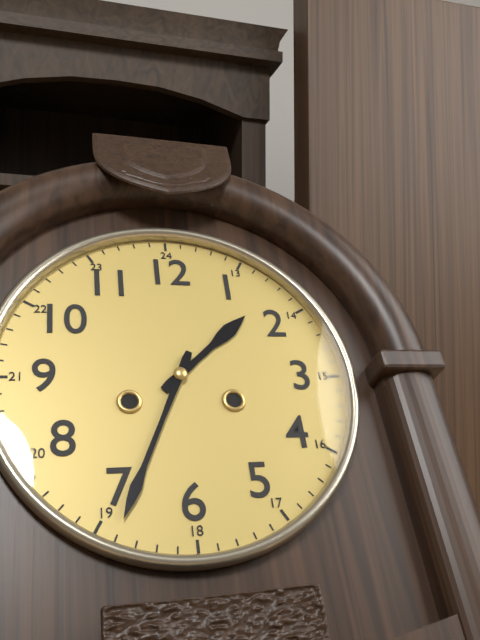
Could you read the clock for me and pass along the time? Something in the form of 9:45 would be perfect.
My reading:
1:34
